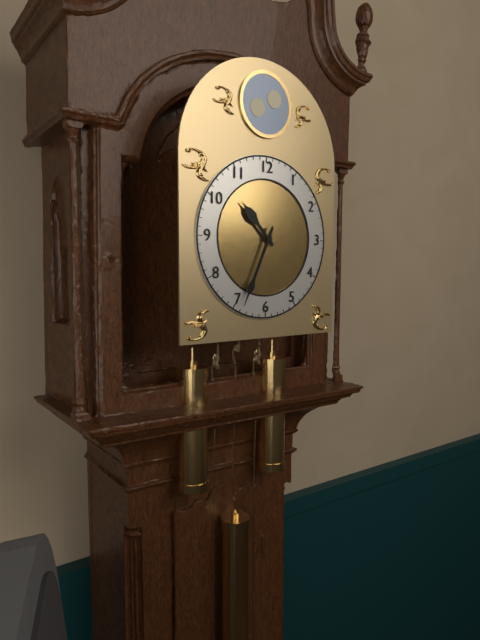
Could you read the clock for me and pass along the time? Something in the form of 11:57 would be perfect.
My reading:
10:34
